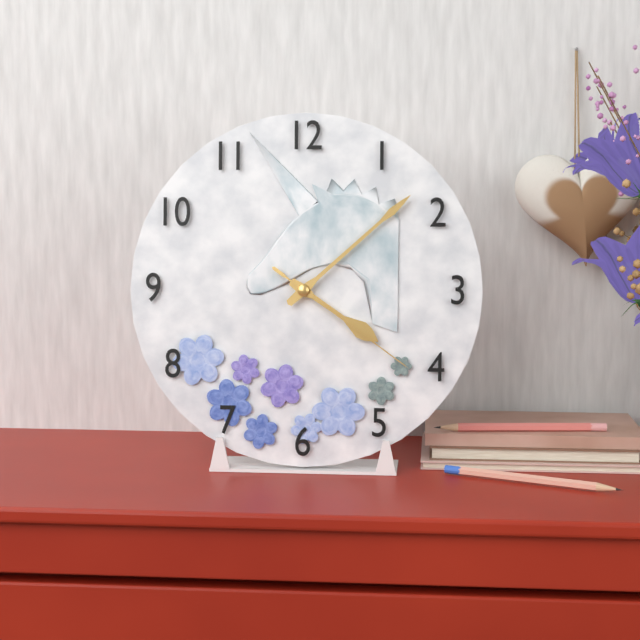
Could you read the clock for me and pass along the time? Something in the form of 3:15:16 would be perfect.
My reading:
4:08:21
